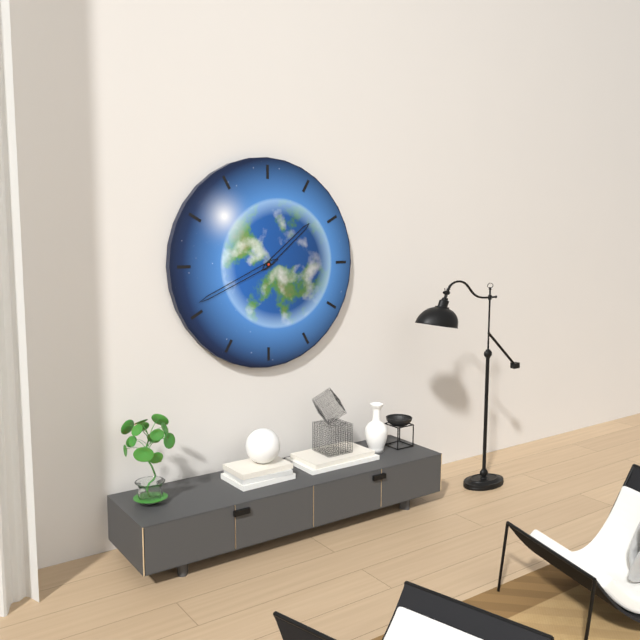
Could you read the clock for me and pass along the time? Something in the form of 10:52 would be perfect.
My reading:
1:41
